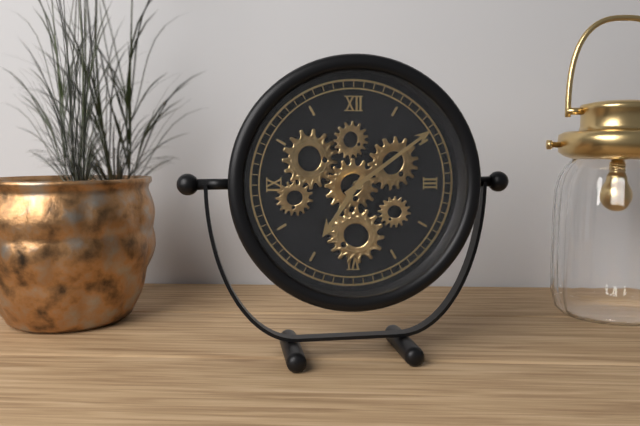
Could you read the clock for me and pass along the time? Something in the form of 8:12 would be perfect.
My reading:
7:09
